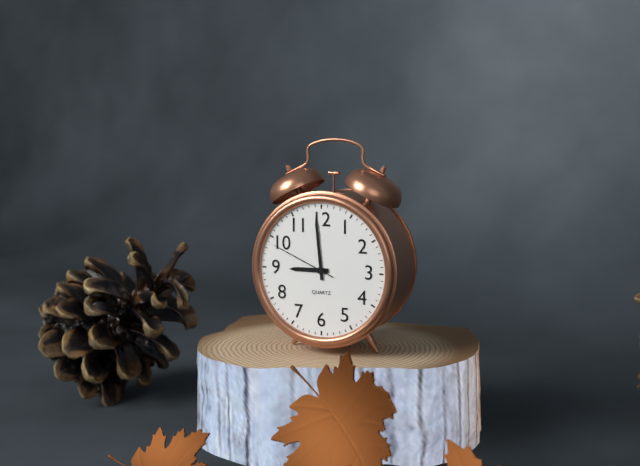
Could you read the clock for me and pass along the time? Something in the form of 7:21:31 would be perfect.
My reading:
8:59:49
